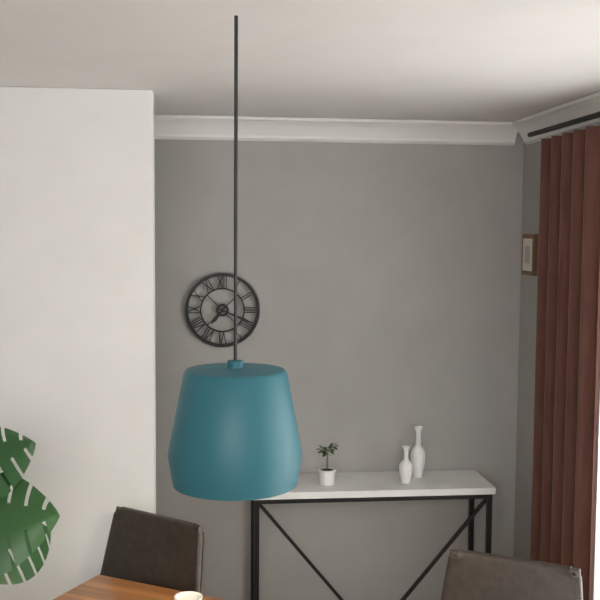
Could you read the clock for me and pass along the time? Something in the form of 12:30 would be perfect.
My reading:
7:19
